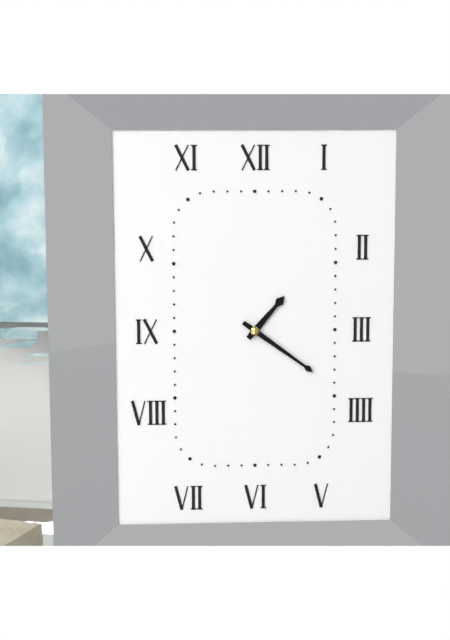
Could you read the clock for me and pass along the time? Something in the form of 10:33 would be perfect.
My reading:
1:21
